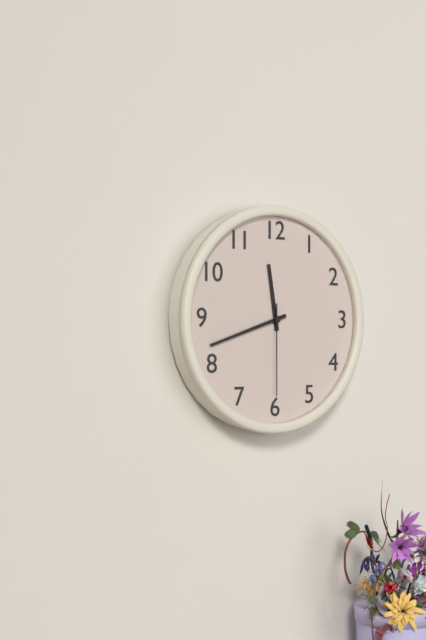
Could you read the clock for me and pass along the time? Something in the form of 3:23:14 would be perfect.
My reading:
11:42:30
